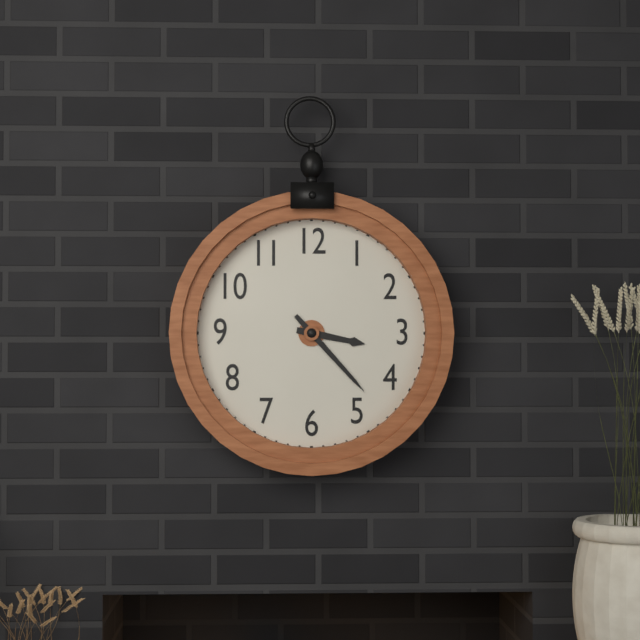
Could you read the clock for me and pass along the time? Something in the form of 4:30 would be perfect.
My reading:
3:23
